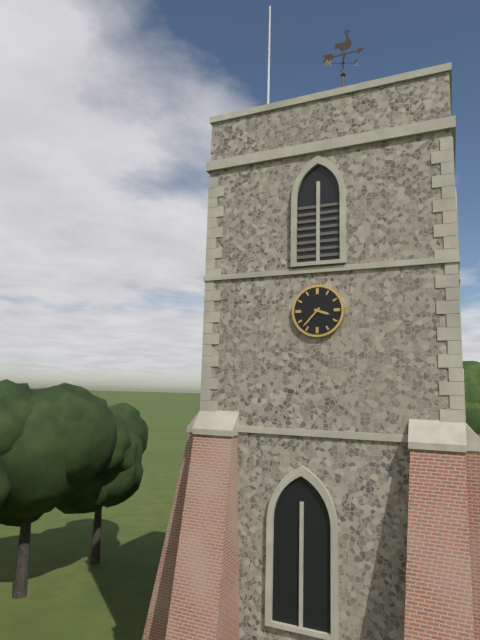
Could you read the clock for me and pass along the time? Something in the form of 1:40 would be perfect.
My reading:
3:37
